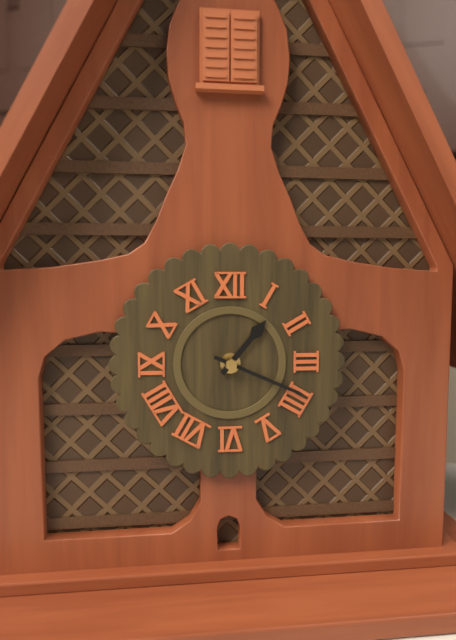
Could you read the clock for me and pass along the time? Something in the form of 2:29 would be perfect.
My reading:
1:19
